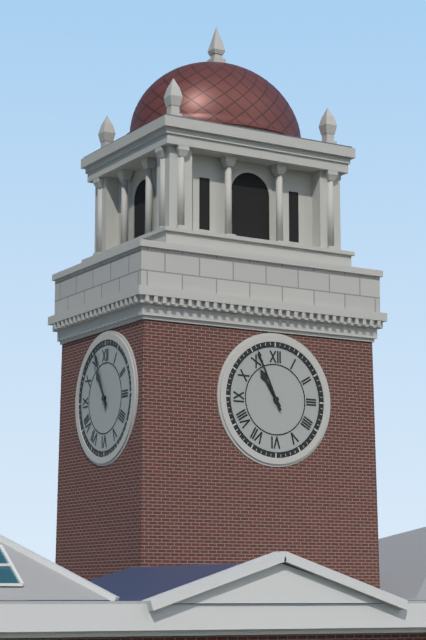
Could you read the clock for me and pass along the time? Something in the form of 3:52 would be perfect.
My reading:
10:56
